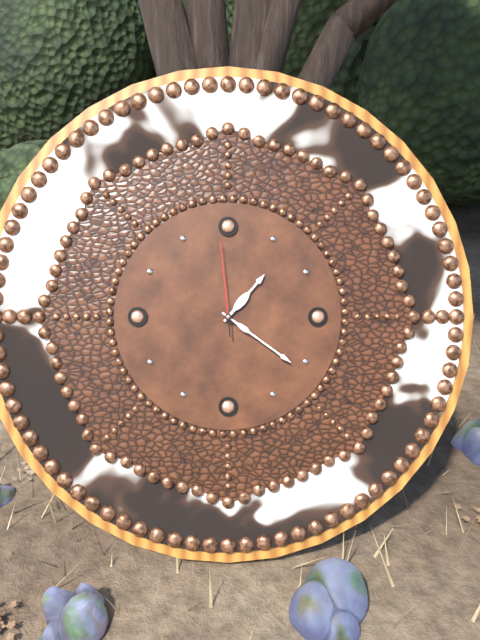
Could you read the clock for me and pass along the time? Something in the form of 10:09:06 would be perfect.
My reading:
1:21:59
